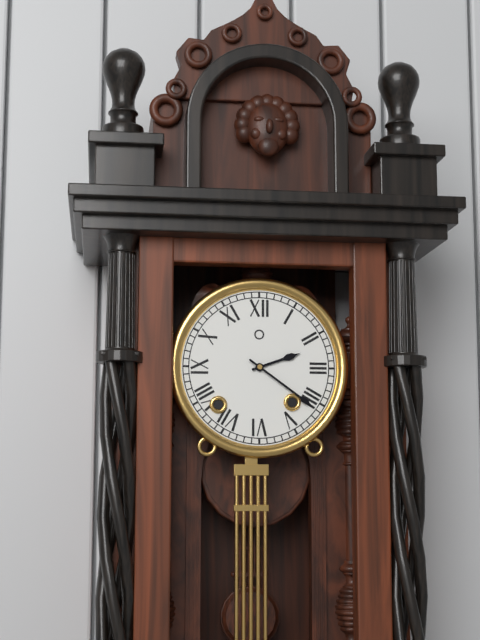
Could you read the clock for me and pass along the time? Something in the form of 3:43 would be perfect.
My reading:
2:21
